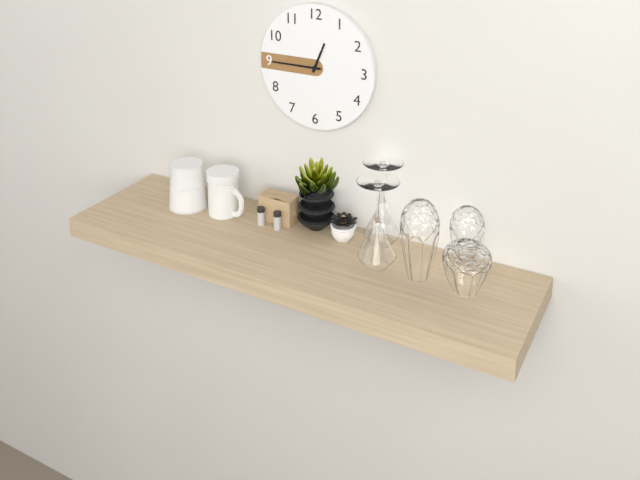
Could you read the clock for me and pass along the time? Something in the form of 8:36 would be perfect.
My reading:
12:45
